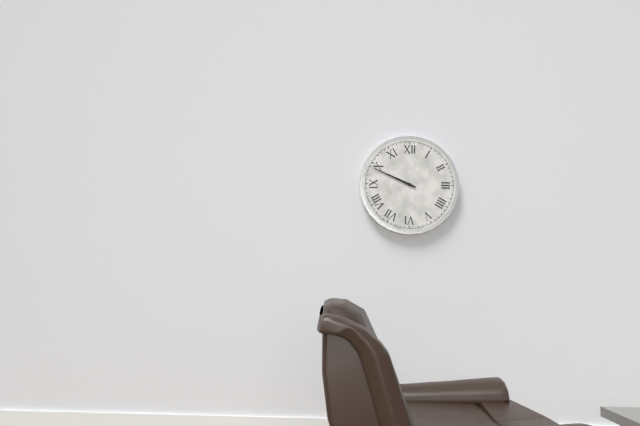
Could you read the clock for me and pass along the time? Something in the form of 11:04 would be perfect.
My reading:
9:49
